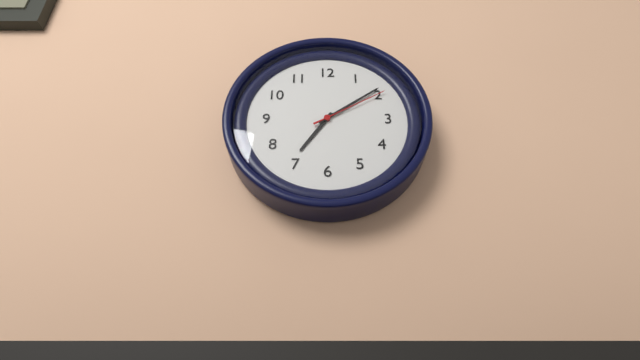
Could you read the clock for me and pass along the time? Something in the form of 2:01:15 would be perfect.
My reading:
7:09:10
